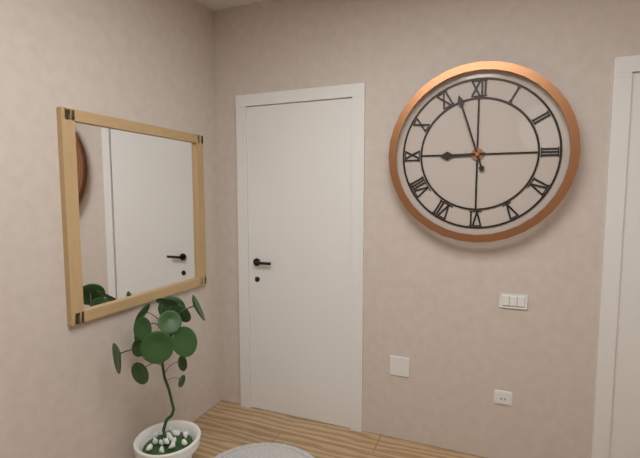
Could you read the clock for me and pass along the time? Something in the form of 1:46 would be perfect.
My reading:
8:57
